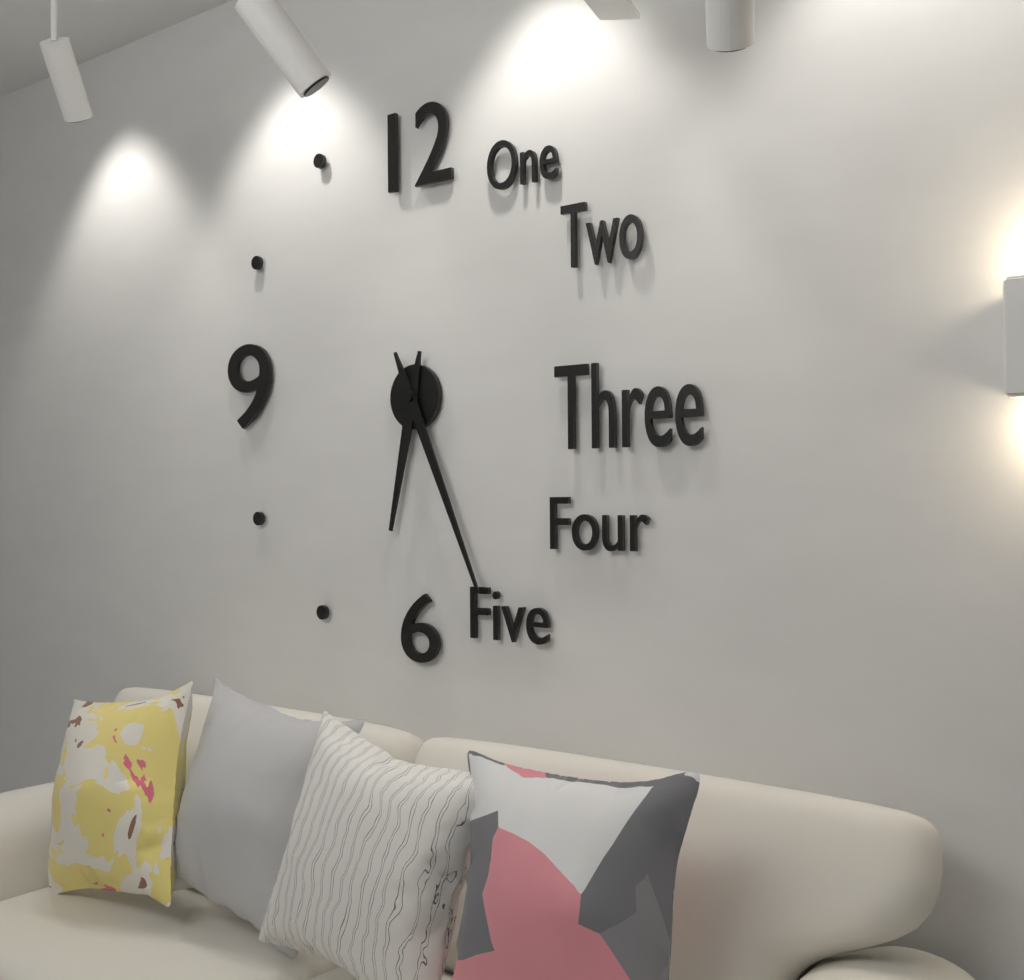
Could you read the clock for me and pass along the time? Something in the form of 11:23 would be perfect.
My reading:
6:26
